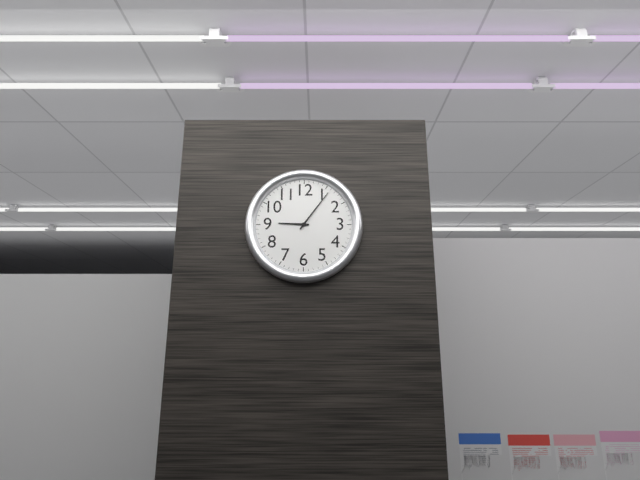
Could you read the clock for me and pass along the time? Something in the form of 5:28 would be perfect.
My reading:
9:06
